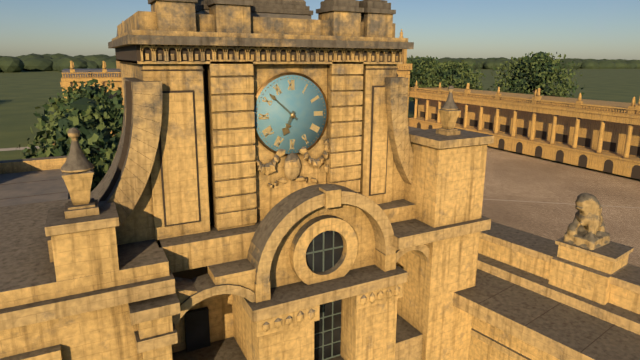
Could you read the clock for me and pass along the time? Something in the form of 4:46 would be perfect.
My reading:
6:52
